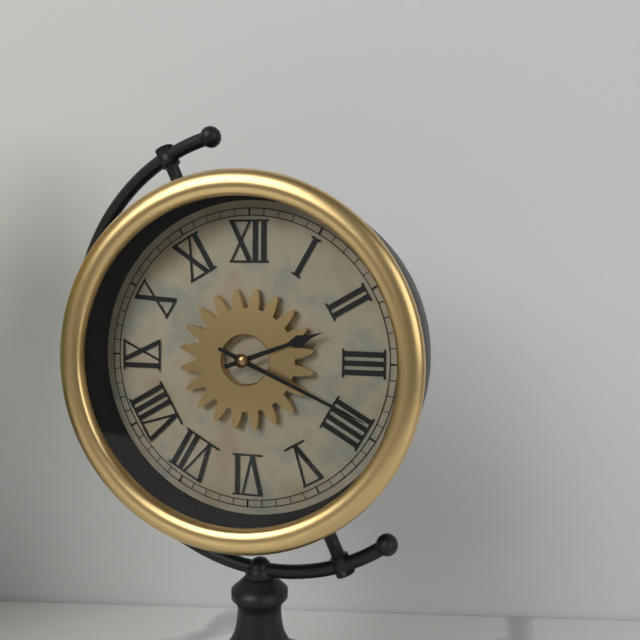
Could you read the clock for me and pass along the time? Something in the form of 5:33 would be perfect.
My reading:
2:19
